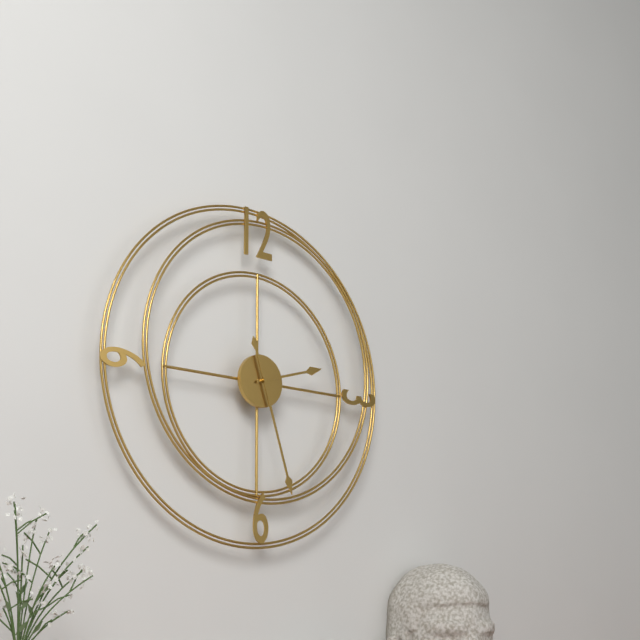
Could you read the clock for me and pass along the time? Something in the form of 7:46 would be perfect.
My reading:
2:27
